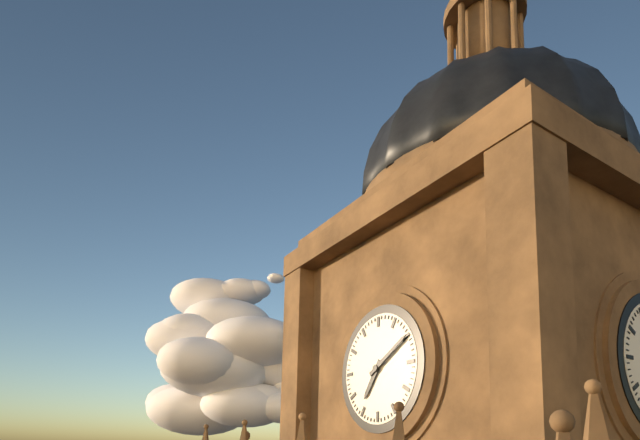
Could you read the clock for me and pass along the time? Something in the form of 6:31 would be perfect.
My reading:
7:10
